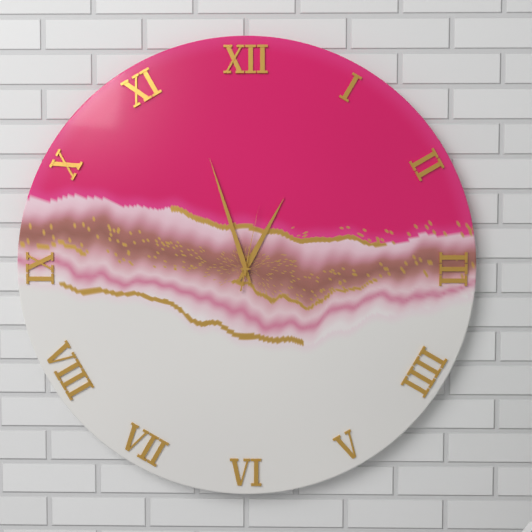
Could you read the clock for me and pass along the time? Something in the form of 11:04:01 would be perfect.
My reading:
12:57:02
